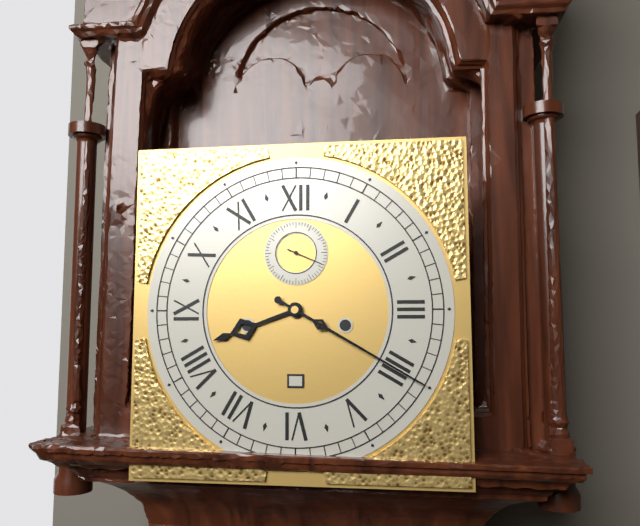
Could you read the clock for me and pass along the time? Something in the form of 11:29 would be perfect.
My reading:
8:20
